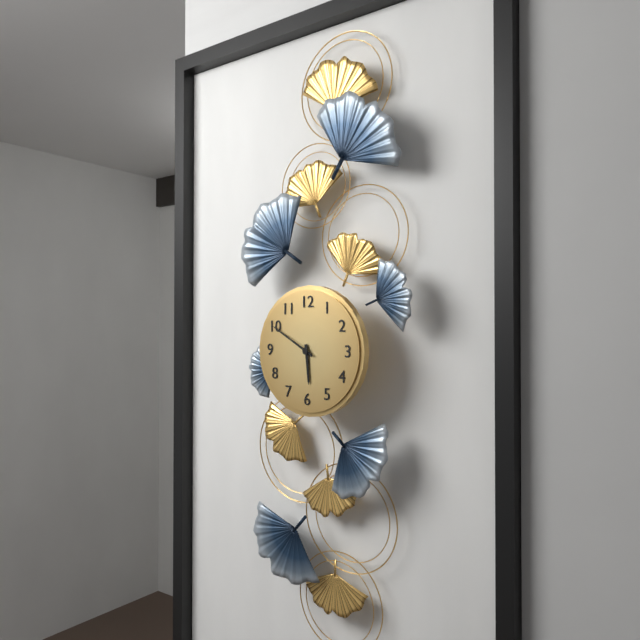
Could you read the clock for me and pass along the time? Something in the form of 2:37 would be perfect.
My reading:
5:50
